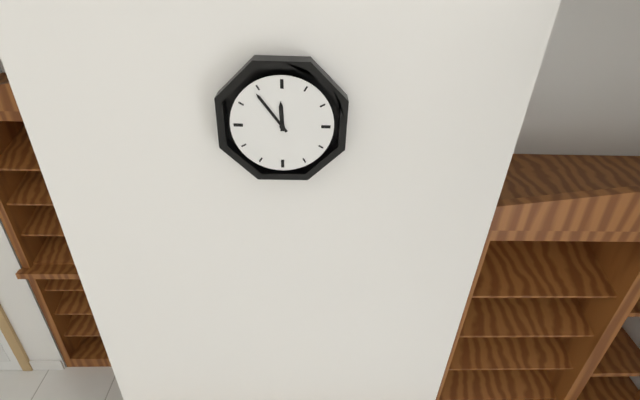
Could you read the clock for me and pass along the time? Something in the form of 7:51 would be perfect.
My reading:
11:54
